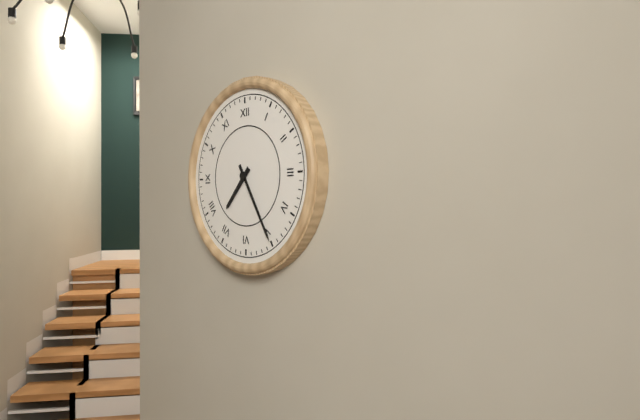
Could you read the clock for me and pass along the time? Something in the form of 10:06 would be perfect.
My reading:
7:25
